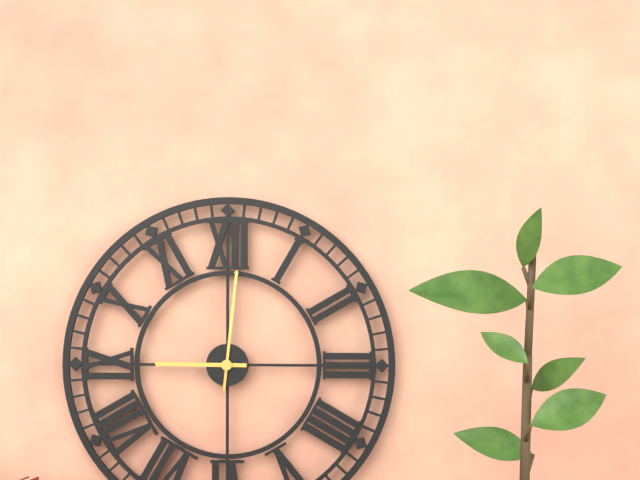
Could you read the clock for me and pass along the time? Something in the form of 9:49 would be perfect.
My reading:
9:01
